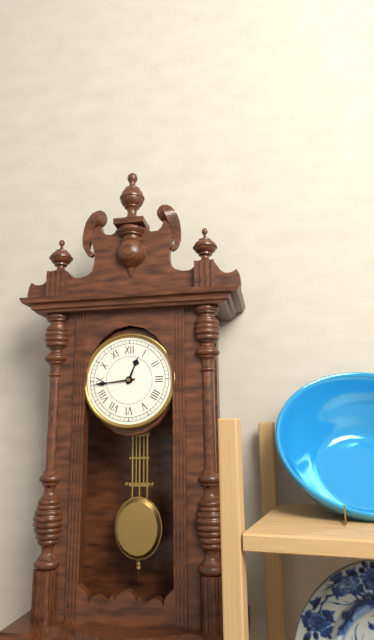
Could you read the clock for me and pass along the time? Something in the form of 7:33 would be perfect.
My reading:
12:44
